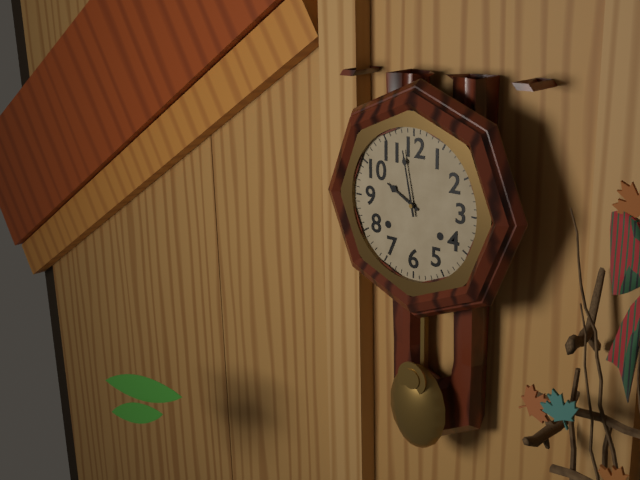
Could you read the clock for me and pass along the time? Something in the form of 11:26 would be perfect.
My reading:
9:58
